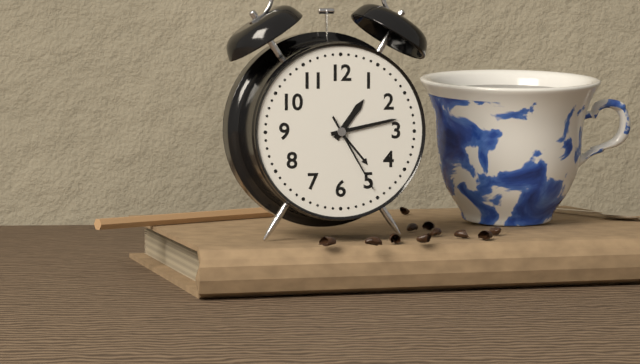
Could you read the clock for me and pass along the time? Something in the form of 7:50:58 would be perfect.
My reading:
1:13:25
